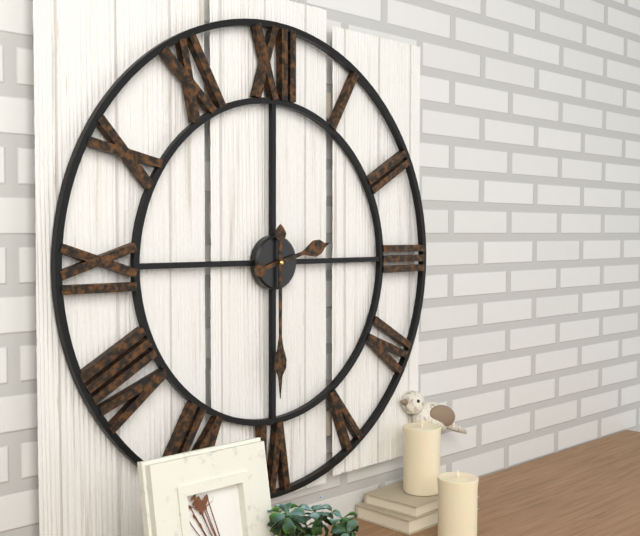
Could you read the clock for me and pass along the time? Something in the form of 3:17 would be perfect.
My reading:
2:30
